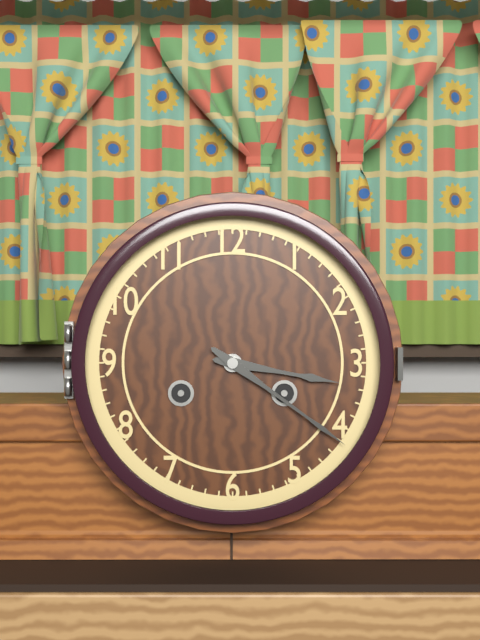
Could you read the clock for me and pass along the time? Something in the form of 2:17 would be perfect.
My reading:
3:21
